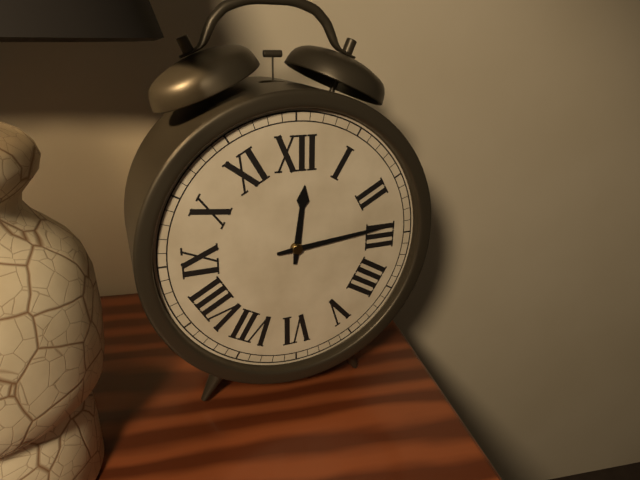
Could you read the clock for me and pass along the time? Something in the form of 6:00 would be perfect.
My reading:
12:14
